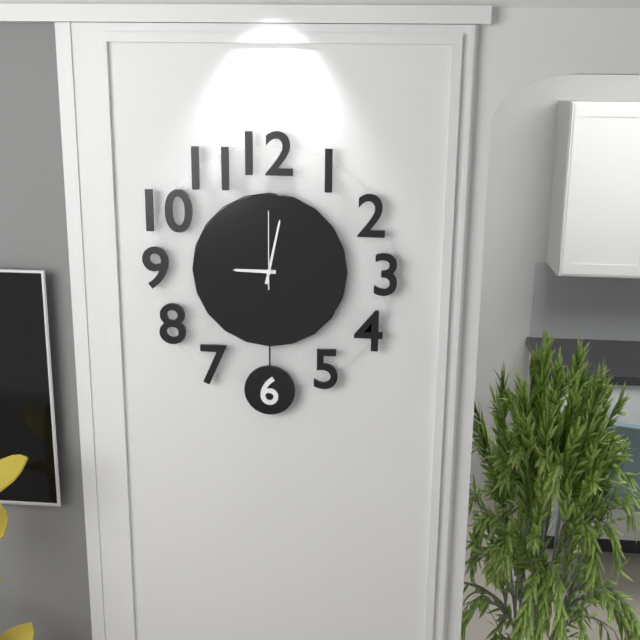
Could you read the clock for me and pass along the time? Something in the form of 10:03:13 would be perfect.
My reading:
9:02:00
